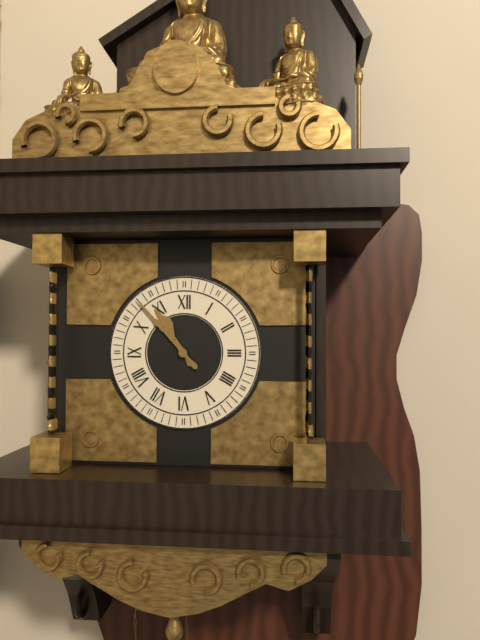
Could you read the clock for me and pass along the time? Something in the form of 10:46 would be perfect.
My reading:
10:53
